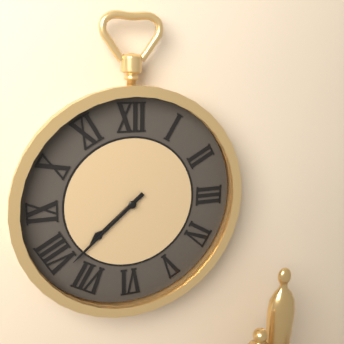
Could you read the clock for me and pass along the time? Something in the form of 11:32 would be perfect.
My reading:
7:38
